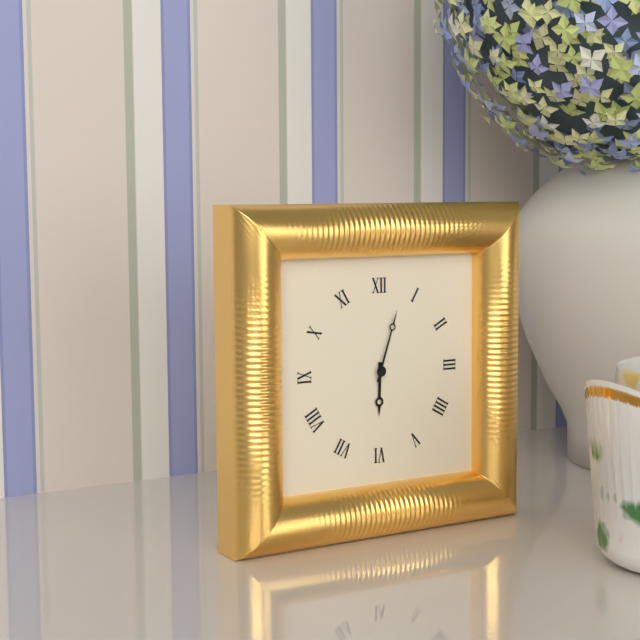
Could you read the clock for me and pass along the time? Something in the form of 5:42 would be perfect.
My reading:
6:03
